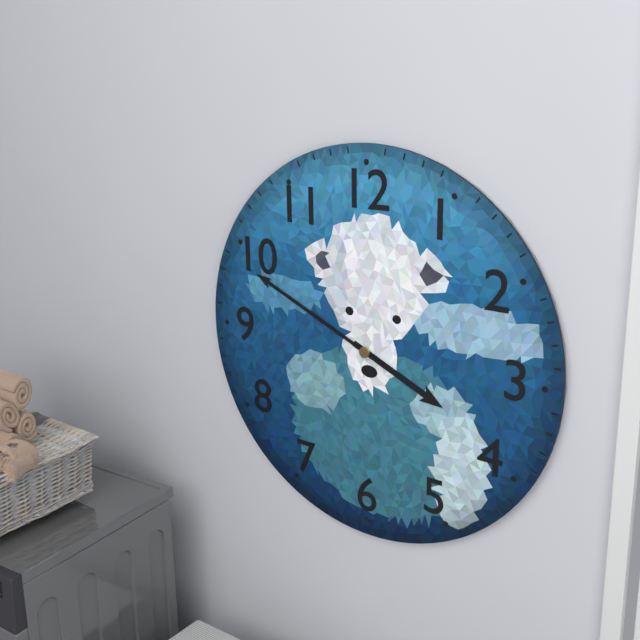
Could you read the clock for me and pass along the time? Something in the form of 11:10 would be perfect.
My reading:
3:49
